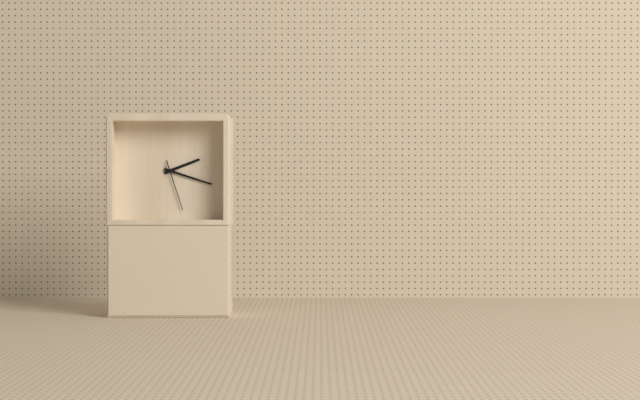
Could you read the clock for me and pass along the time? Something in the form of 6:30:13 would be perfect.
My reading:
2:18:27
